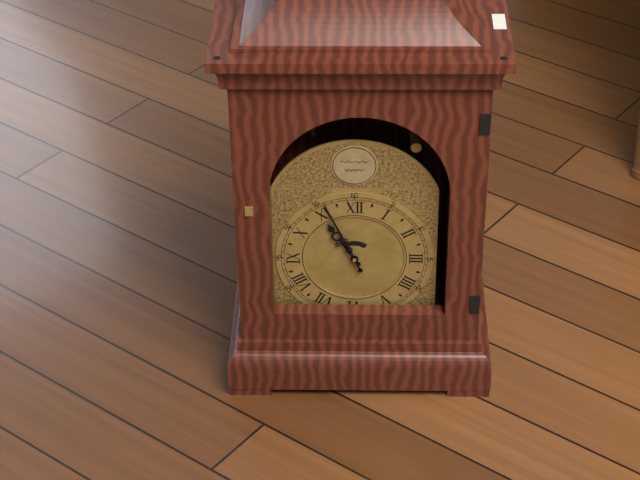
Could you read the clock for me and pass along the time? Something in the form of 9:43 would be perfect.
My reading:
10:56
